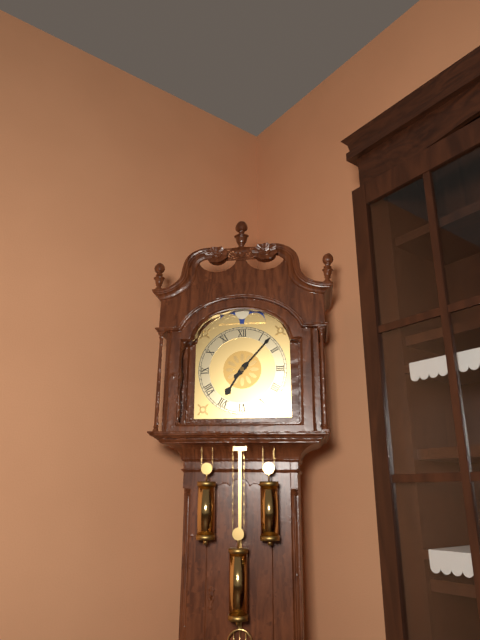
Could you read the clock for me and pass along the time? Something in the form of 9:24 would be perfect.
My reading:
7:07
